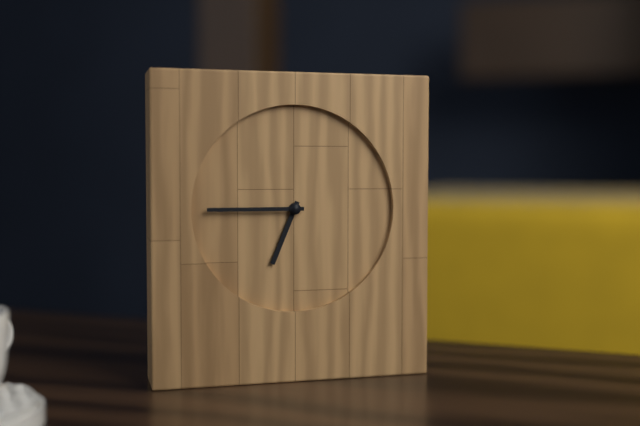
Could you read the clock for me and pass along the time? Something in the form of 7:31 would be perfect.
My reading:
6:45
